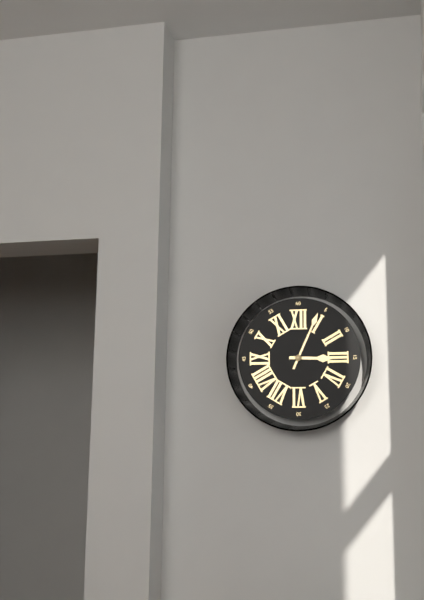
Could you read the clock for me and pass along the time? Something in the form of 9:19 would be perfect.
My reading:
3:04
